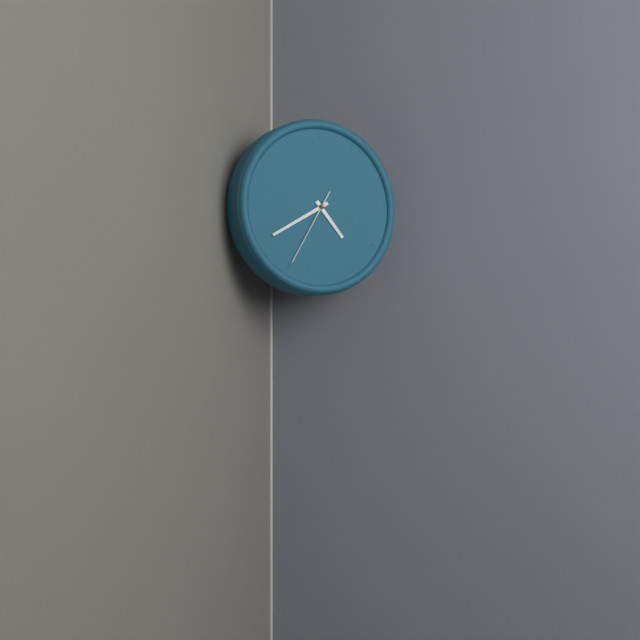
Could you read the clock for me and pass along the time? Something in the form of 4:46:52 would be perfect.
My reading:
4:40:35
